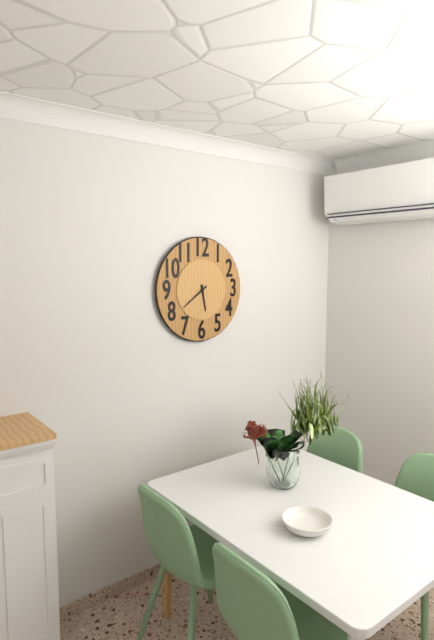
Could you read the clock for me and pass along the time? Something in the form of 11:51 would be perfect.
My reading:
5:39
